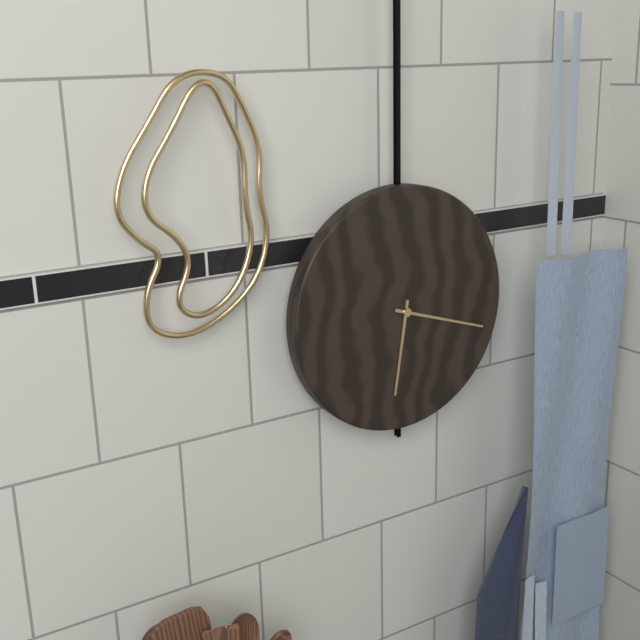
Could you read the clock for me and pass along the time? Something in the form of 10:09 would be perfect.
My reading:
6:18
